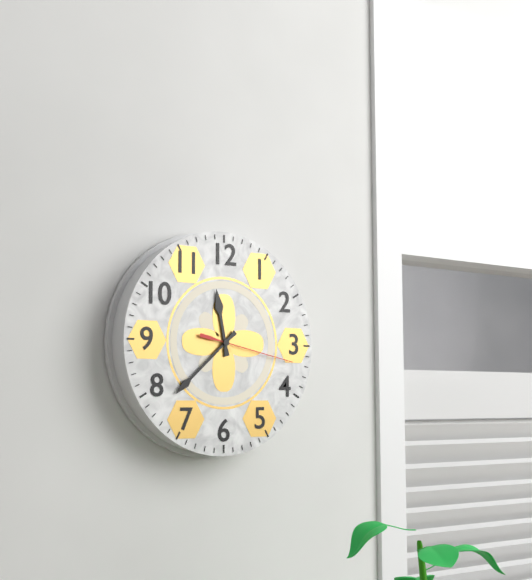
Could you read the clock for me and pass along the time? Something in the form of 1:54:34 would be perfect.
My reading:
11:38:17
